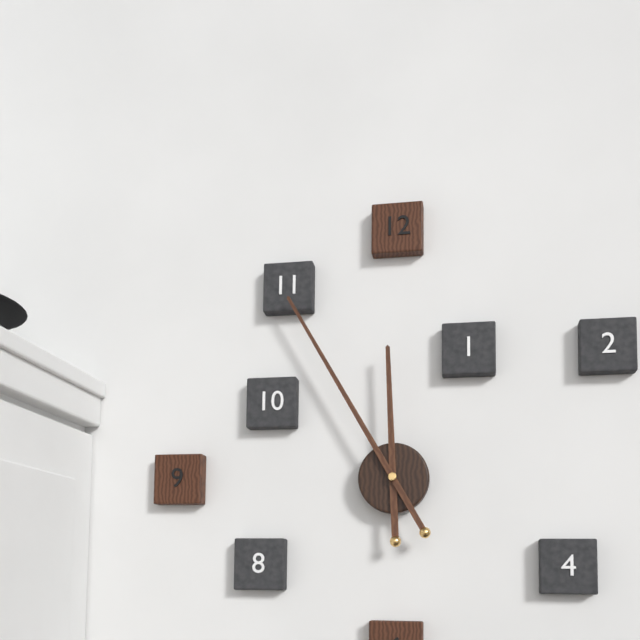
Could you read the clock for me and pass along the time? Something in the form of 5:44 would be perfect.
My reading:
11:55
